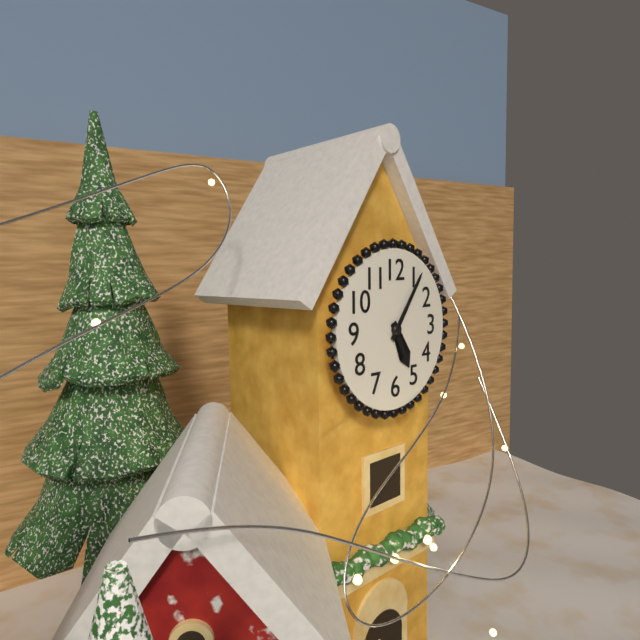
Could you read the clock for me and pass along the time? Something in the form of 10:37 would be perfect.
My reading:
5:06
